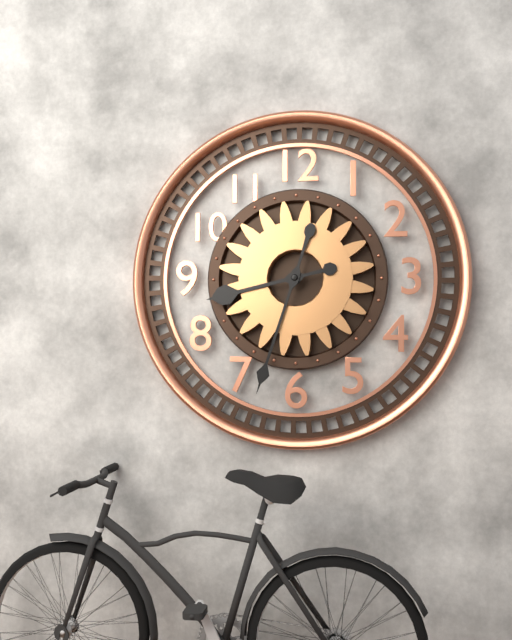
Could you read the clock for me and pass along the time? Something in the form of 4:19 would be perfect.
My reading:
8:33
